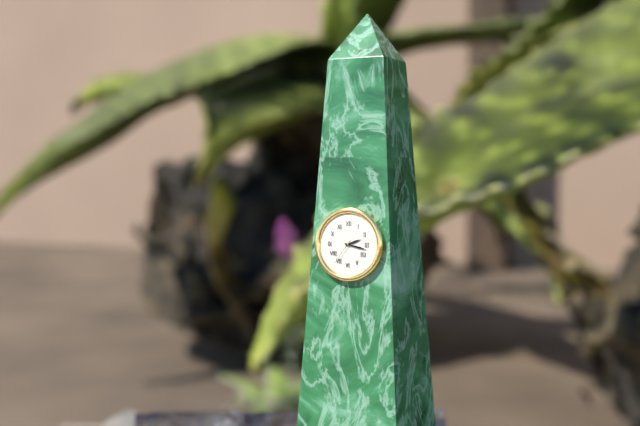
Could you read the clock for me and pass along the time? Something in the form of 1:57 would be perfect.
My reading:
2:17
